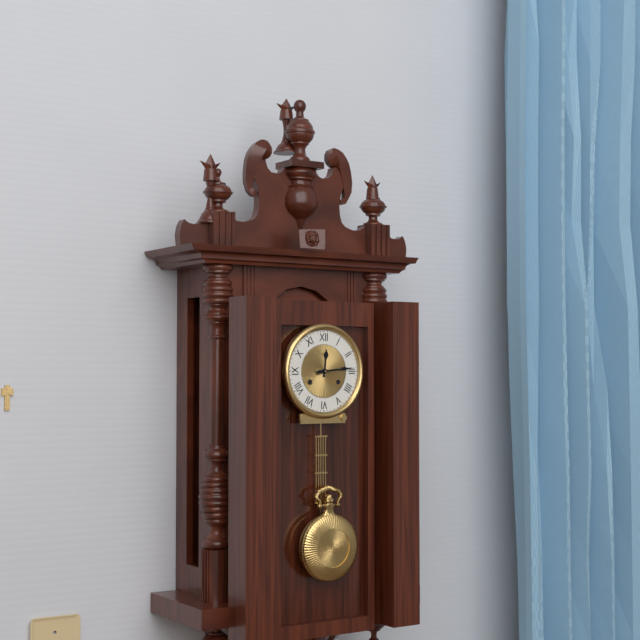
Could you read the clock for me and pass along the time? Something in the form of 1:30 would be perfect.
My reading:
12:14
